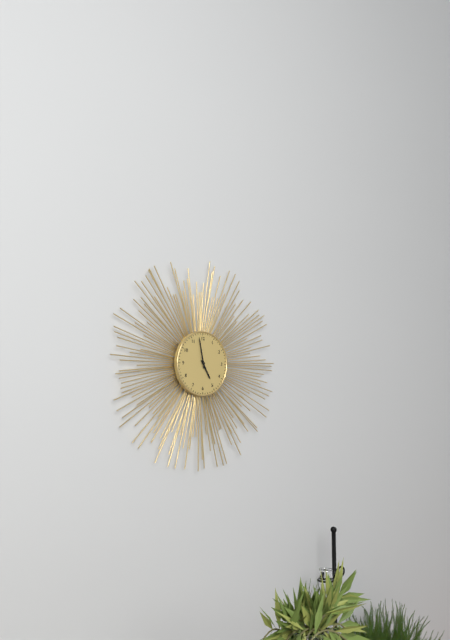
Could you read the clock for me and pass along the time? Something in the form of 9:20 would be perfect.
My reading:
4:58
